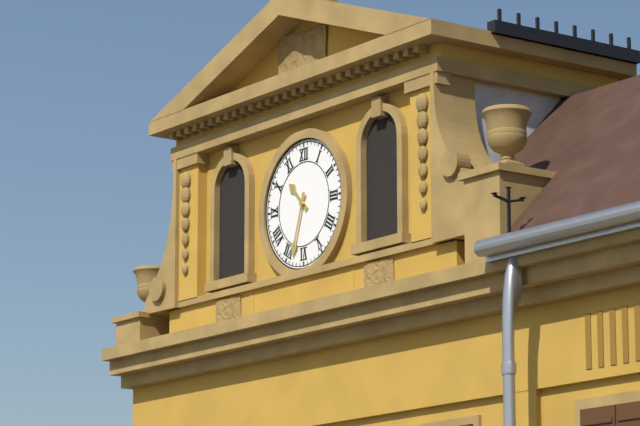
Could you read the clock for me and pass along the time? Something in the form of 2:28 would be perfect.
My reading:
10:33
